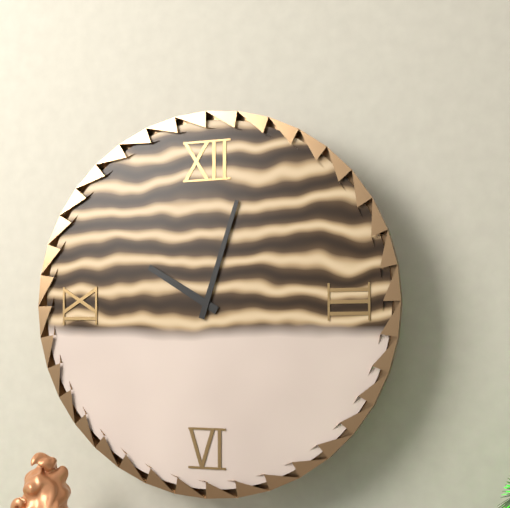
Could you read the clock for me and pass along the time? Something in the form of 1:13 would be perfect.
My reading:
10:03
